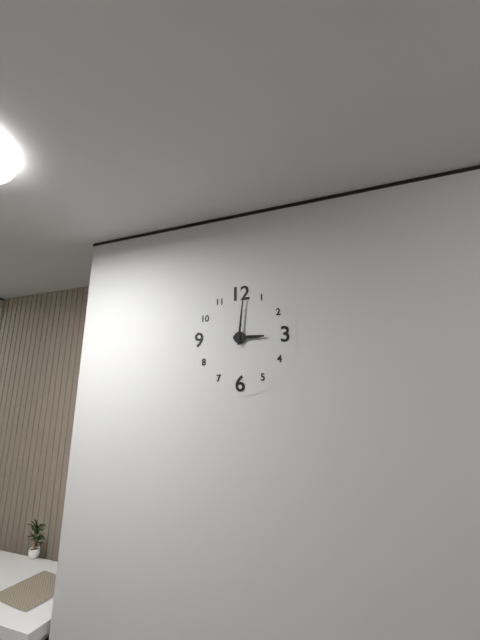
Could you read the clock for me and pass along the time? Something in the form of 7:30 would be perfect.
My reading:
3:01
